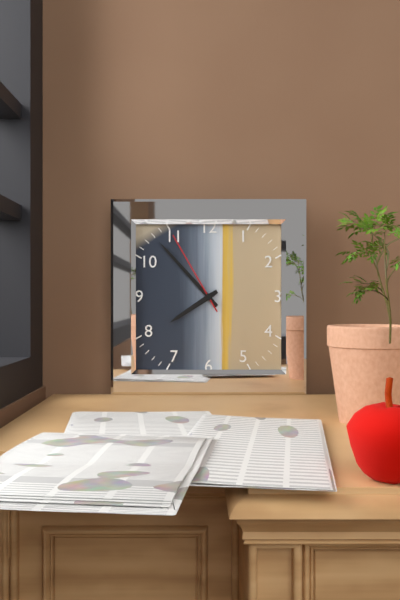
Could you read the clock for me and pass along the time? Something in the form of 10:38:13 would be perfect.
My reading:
7:53:55
